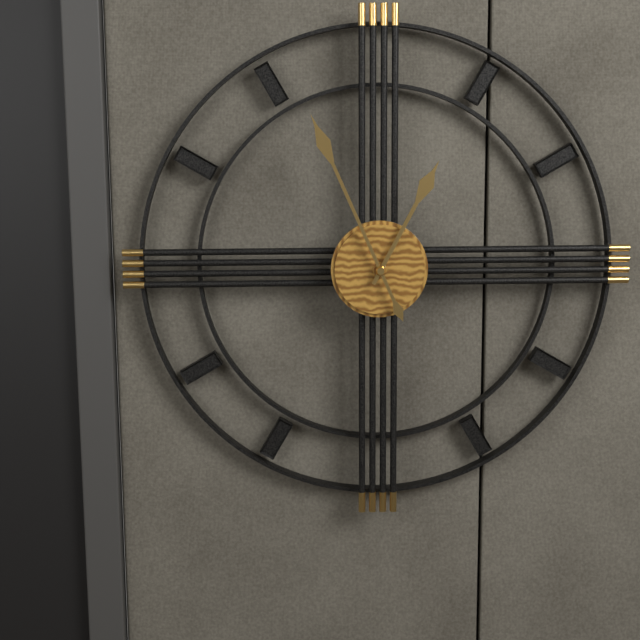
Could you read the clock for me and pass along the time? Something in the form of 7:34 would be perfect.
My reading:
12:56
